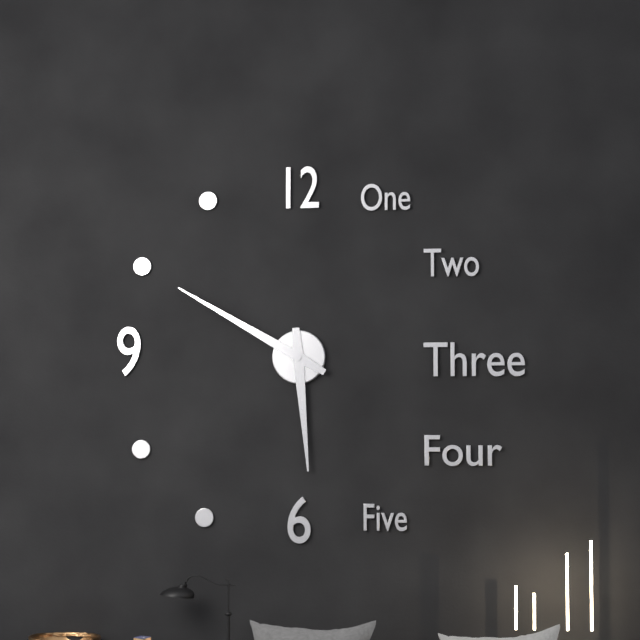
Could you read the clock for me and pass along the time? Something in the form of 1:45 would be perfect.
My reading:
5:50
